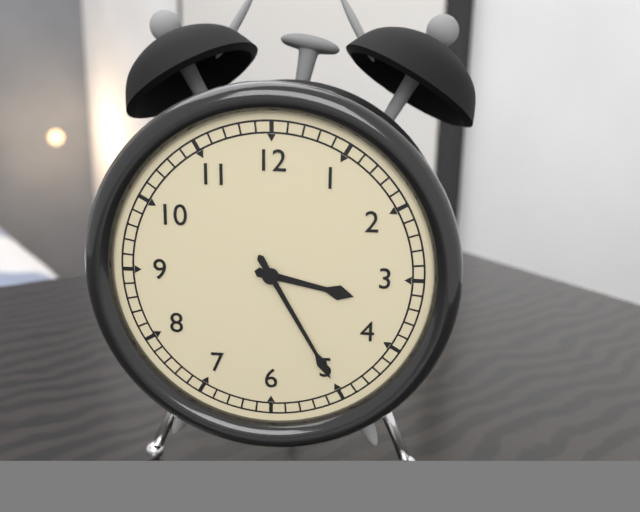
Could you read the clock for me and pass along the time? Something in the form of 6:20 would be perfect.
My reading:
3:25
